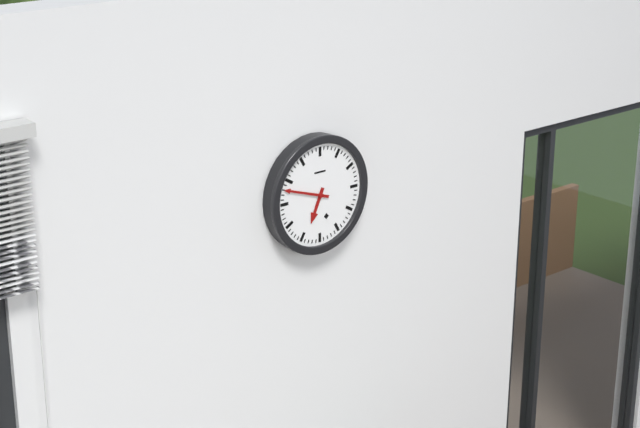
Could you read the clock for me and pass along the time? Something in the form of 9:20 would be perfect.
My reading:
6:48
